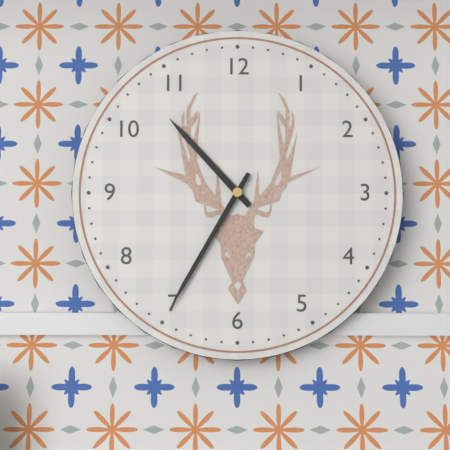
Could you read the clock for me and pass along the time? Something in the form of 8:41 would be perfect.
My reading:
10:35
